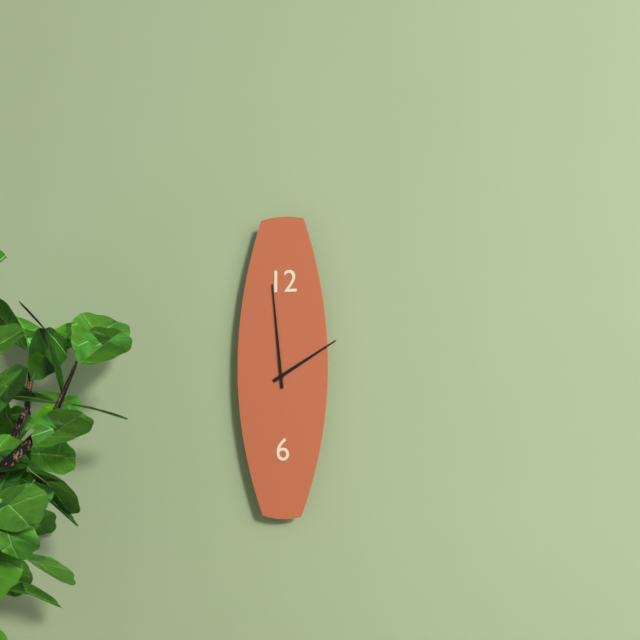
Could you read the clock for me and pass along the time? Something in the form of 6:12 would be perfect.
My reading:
1:59
